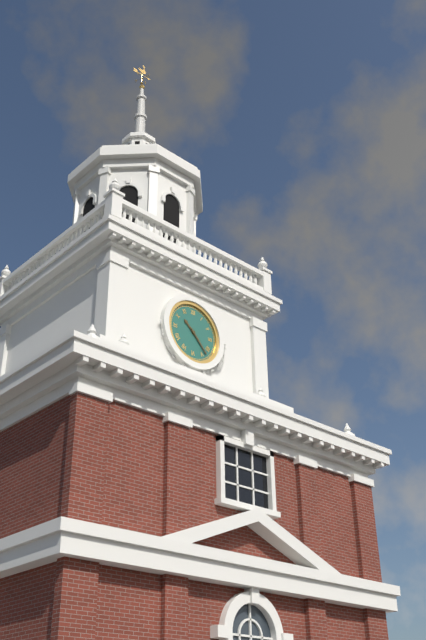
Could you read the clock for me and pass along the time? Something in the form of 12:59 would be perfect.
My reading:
10:23
